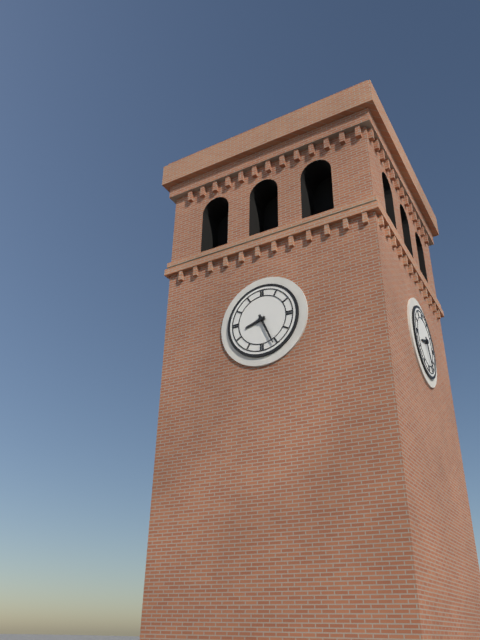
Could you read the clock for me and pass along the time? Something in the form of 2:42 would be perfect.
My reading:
8:26
